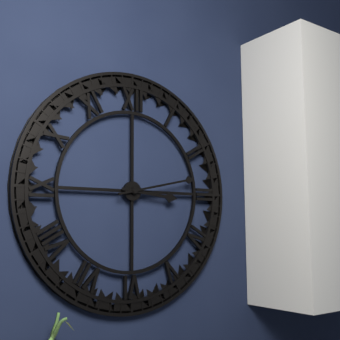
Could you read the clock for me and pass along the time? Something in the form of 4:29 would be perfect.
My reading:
3:13
